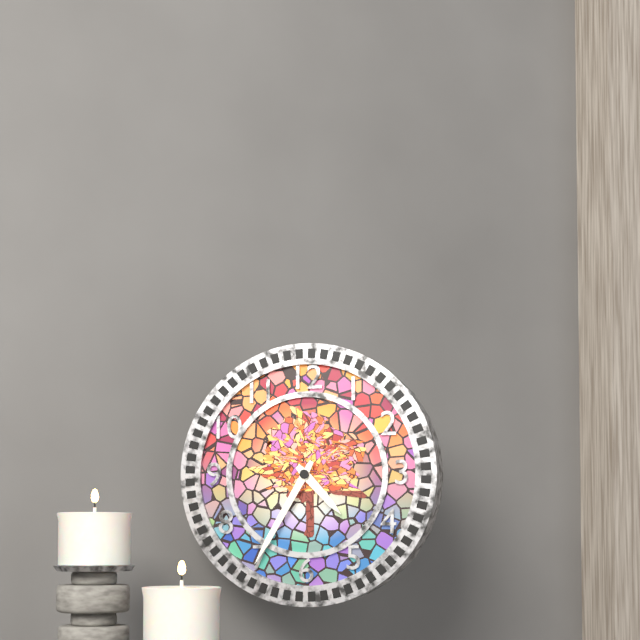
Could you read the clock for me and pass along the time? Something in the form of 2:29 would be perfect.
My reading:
4:35
